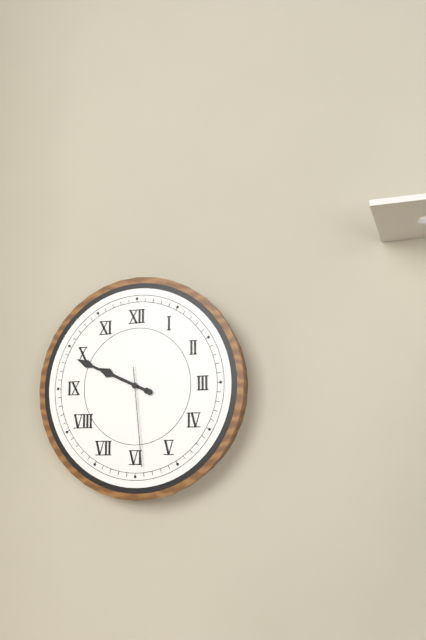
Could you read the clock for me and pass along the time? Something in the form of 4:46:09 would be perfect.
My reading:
9:49:29
